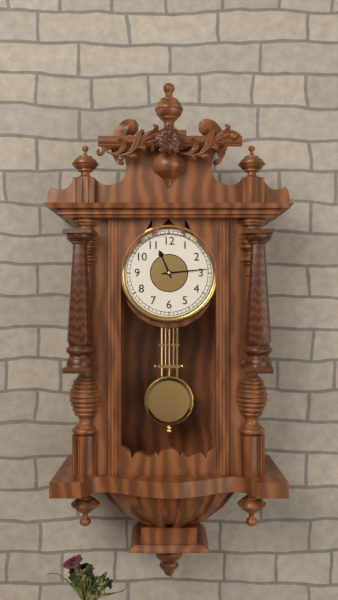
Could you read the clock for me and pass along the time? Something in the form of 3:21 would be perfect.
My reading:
11:14
